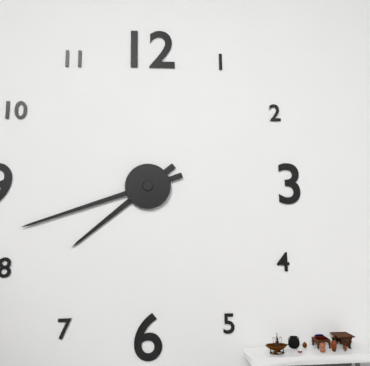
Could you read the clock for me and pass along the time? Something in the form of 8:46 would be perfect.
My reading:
7:42
